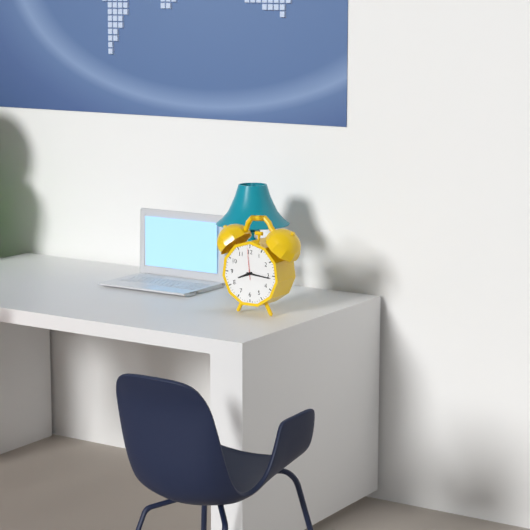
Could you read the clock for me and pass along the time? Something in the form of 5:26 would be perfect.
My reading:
8:16
